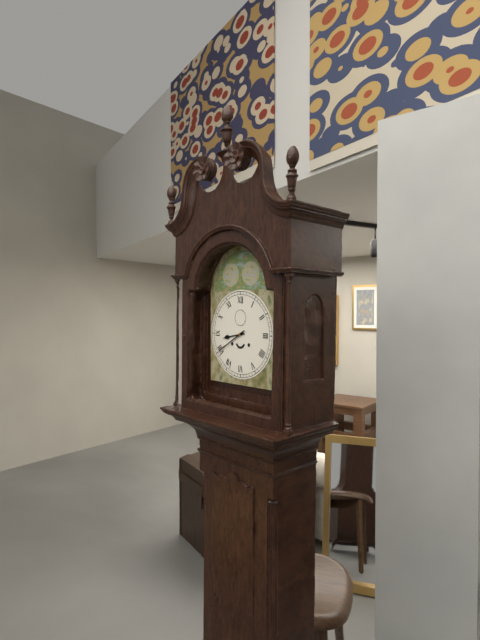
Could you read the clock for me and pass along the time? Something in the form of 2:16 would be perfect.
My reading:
8:40
